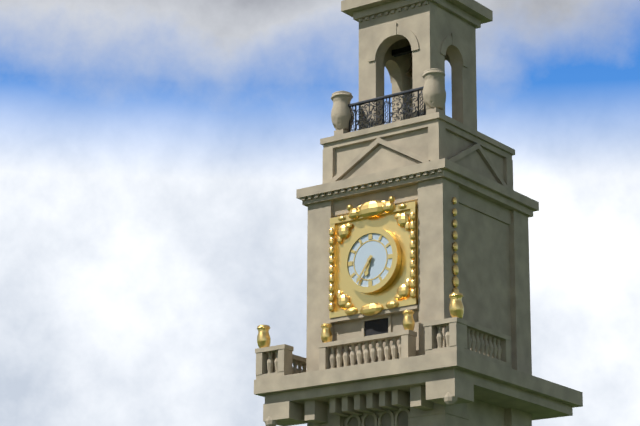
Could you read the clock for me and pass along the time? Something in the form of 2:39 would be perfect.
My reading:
6:36
